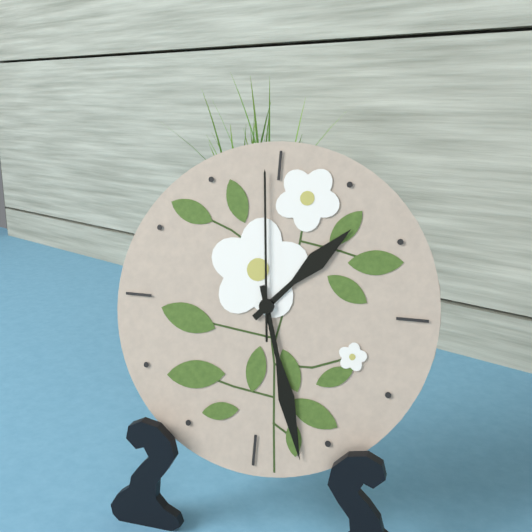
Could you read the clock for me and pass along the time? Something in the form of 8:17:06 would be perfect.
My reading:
1:27:59
